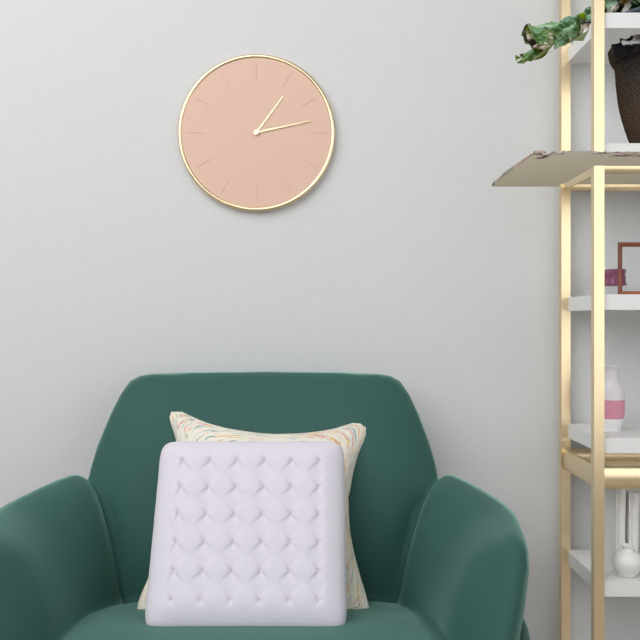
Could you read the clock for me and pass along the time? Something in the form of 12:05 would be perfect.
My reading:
1:13
